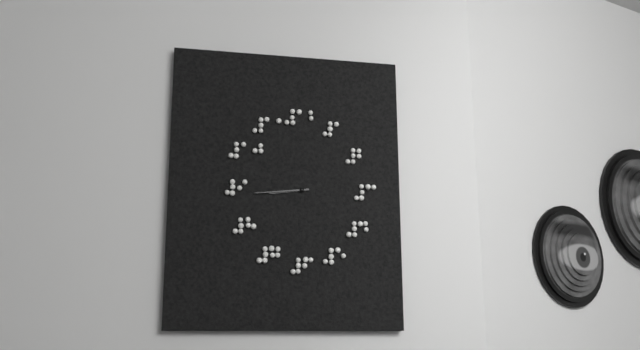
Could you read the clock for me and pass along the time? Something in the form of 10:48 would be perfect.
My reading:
8:44
